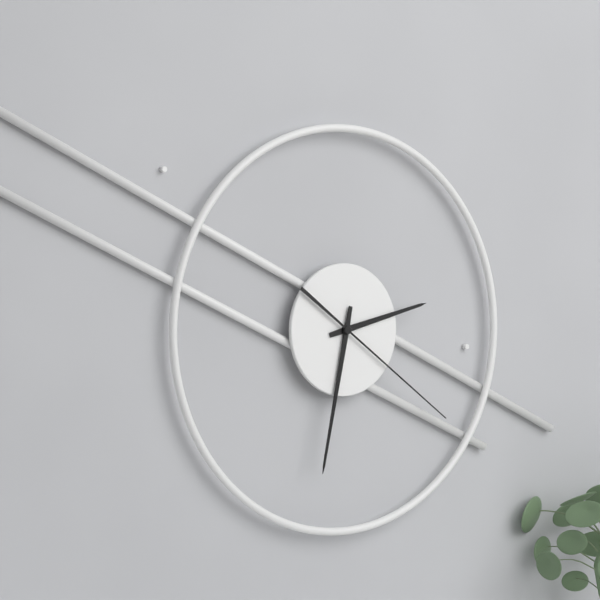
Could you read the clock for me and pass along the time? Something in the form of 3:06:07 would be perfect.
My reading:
2:32:21
